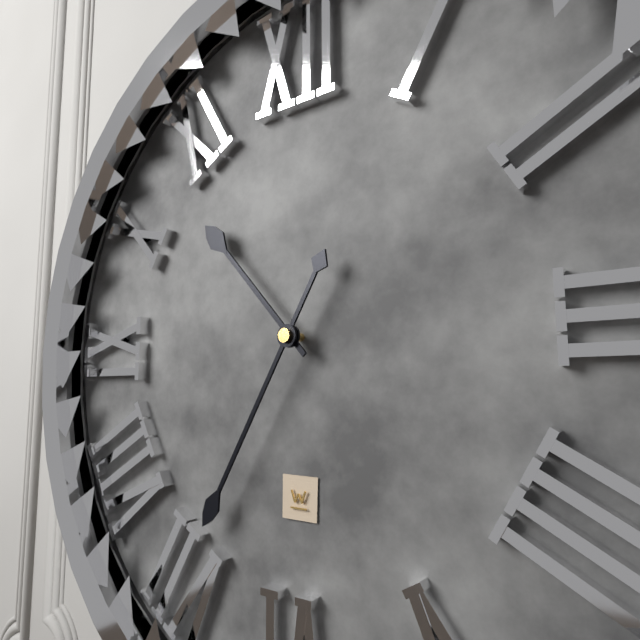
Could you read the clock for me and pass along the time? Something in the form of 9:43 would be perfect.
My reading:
10:35
